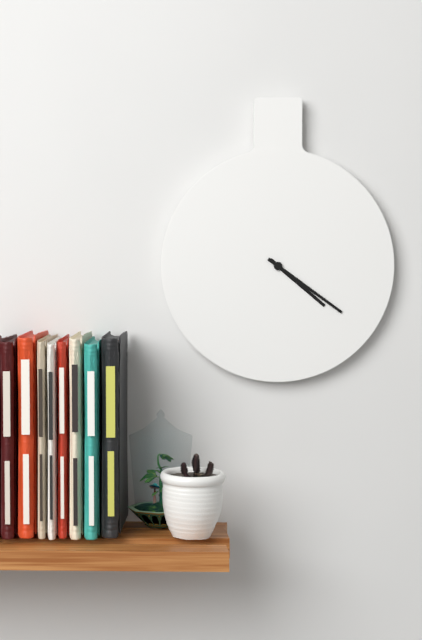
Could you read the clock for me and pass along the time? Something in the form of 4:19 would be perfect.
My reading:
4:21
